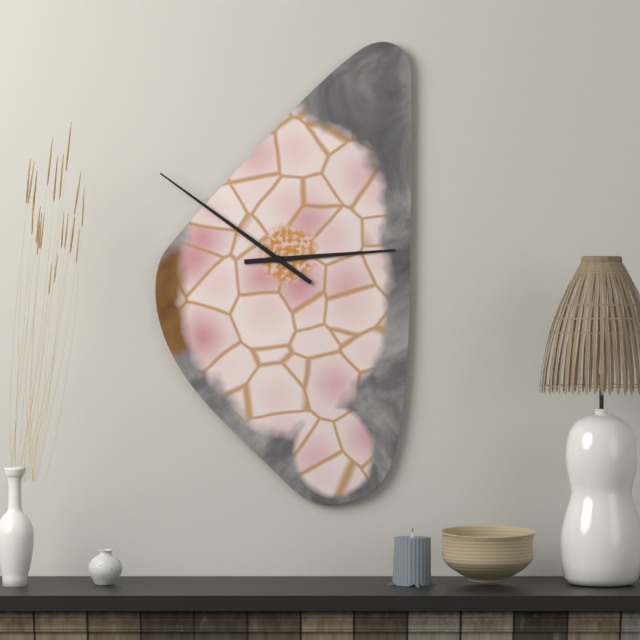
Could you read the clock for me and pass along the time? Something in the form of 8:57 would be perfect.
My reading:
2:51
